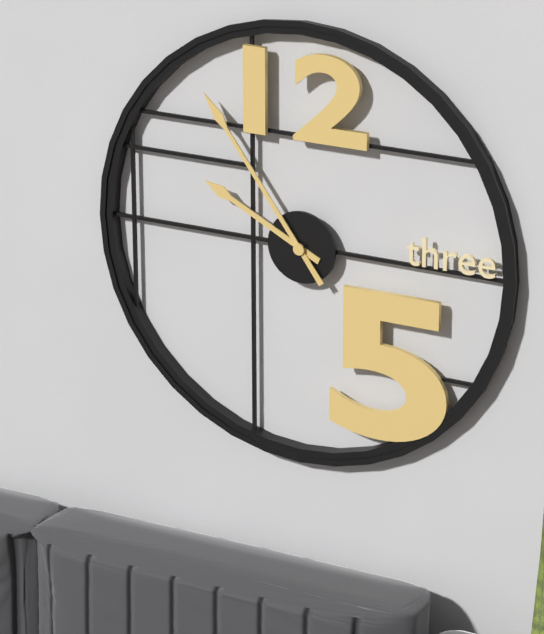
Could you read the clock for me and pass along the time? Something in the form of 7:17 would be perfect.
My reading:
9:54
